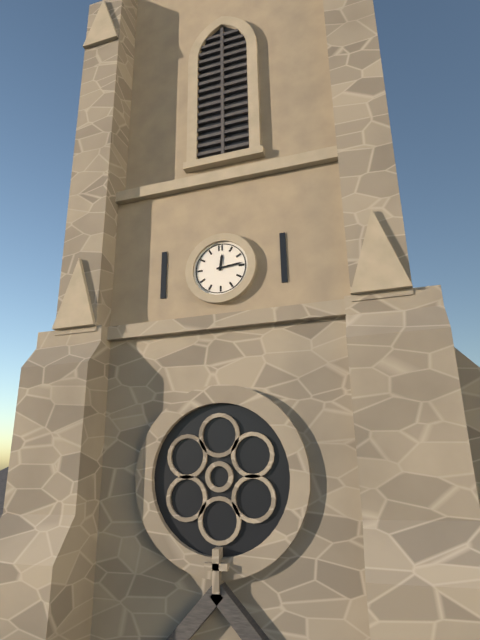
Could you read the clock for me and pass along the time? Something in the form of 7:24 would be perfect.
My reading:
12:14
